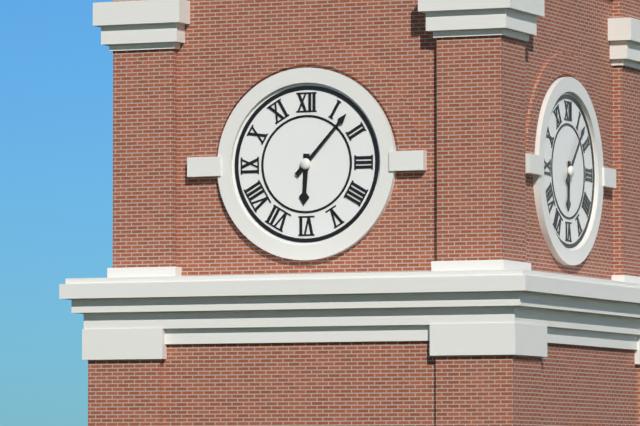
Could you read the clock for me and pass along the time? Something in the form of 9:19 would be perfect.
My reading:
6:07
